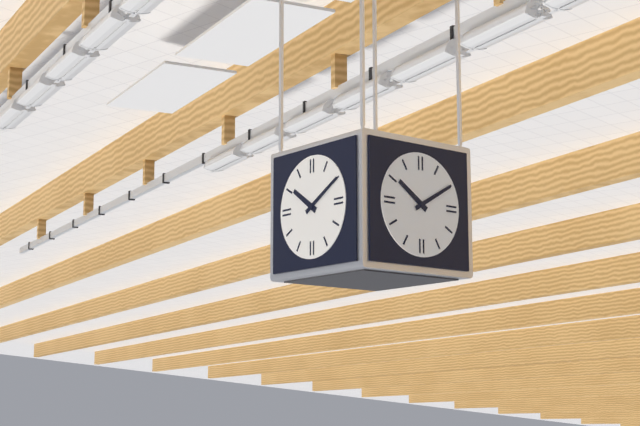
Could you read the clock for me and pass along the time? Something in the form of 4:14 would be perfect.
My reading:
10:10
